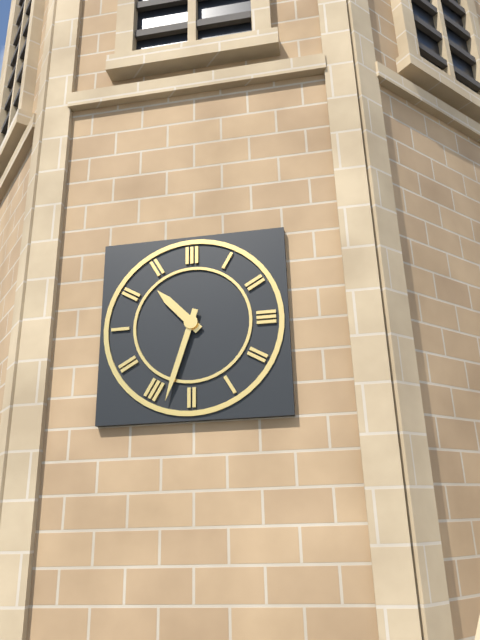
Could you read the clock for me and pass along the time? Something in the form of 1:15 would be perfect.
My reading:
10:33
